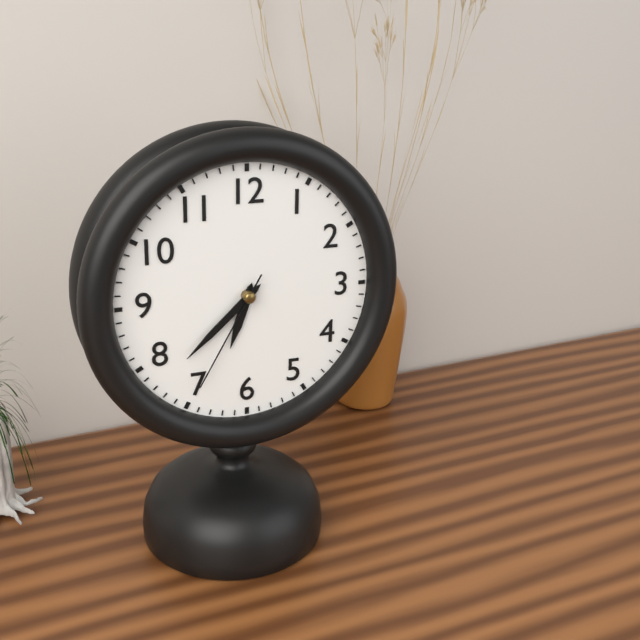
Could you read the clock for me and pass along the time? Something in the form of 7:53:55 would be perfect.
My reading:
6:38:35
